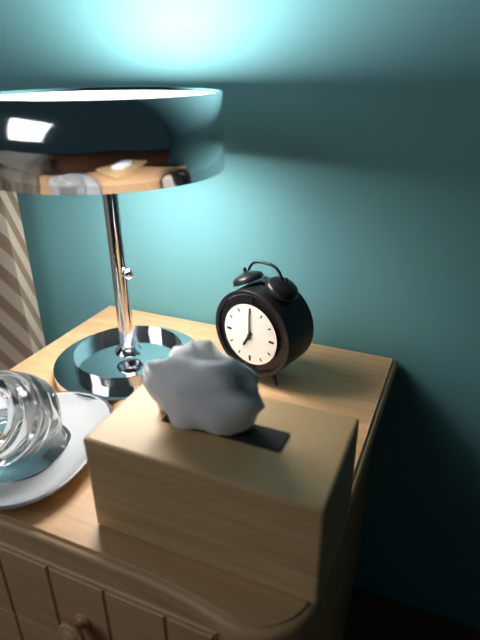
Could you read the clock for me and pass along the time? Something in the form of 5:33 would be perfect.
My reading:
7:00
